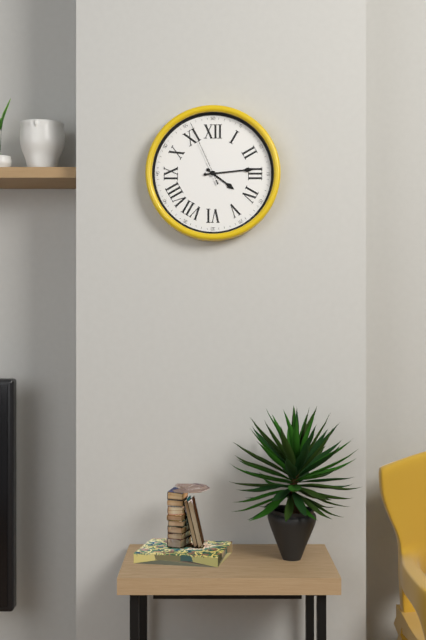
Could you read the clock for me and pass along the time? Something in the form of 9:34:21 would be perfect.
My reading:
4:14:56
